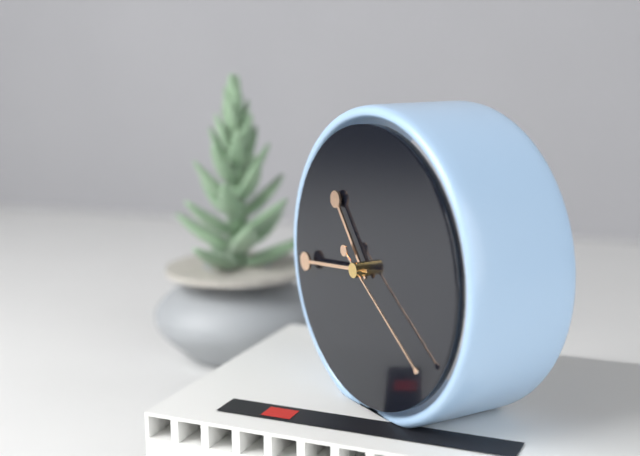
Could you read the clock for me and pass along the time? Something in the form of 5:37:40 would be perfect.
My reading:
10:44:21
